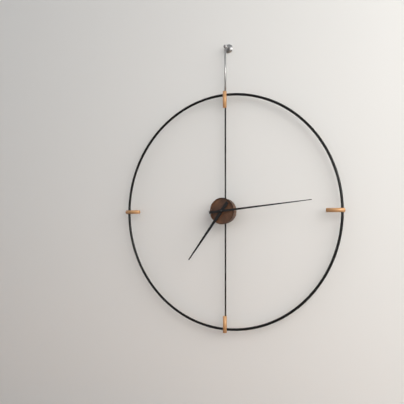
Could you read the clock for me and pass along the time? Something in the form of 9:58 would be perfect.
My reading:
7:14
